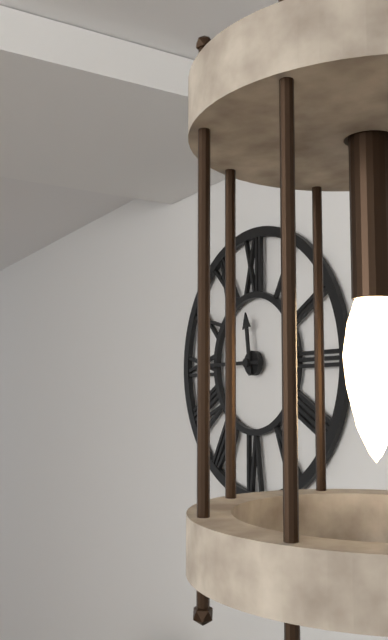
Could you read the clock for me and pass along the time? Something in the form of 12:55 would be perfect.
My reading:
11:45
